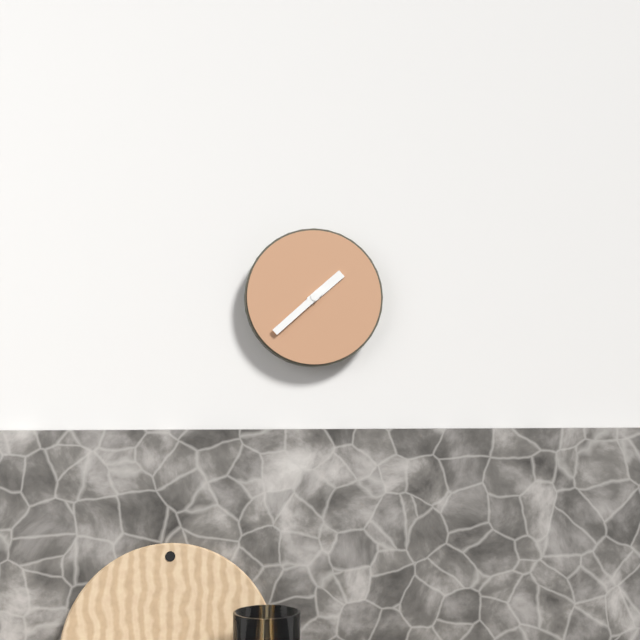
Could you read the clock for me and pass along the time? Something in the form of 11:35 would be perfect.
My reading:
1:38
